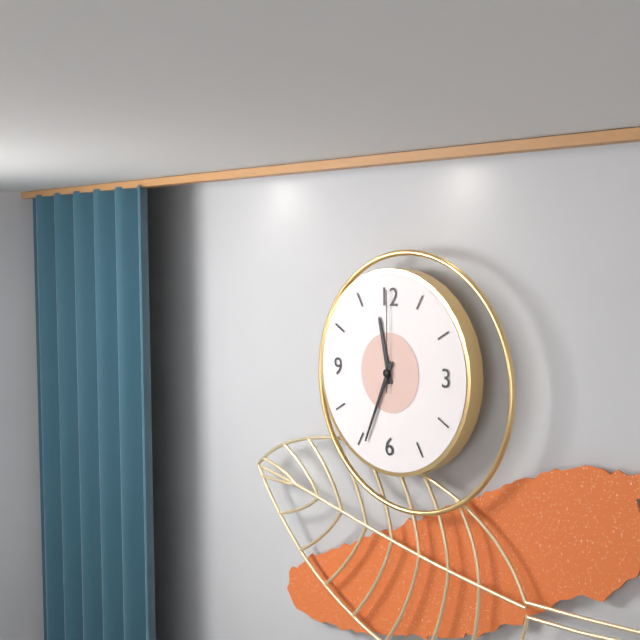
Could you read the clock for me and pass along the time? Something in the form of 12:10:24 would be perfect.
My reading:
11:34:00
